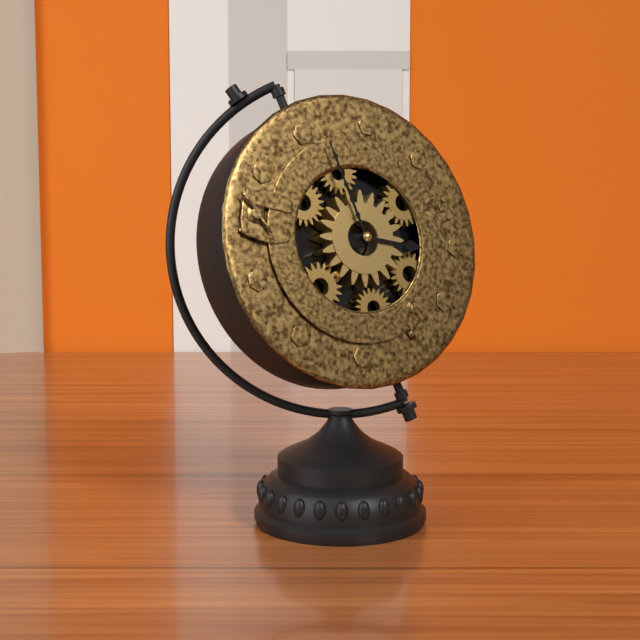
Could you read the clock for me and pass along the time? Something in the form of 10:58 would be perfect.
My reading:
2:55
